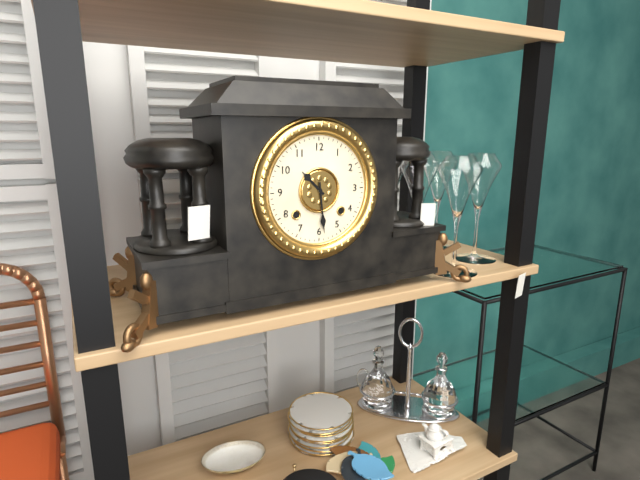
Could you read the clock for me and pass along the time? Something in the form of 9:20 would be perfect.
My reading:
10:29
